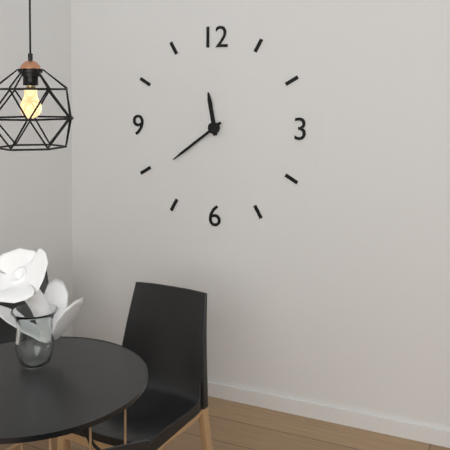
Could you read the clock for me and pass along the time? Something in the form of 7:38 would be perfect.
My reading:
11:39
